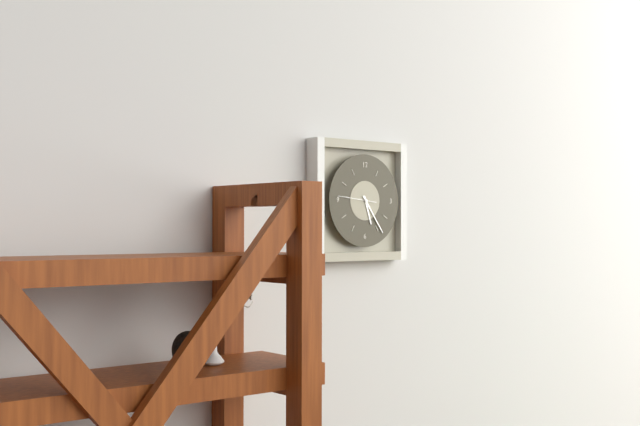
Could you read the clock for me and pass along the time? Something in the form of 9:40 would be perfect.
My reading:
5:24
